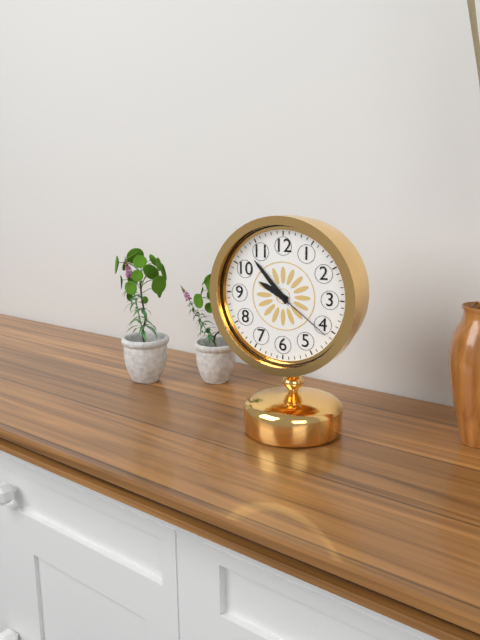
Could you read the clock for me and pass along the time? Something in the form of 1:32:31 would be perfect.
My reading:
9:53:21
